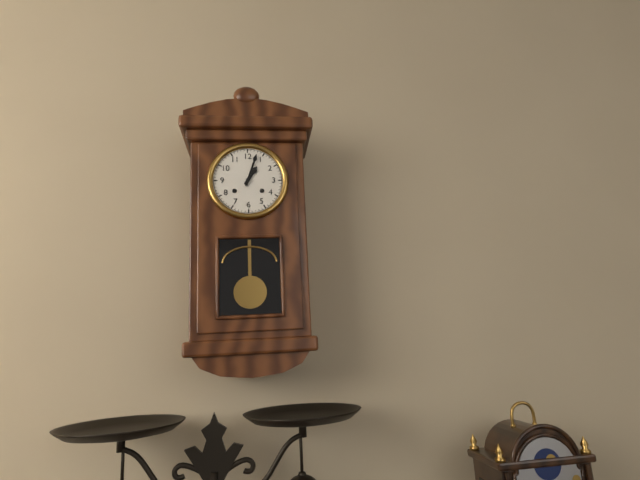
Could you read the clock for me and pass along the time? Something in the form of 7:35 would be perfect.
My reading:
1:03
